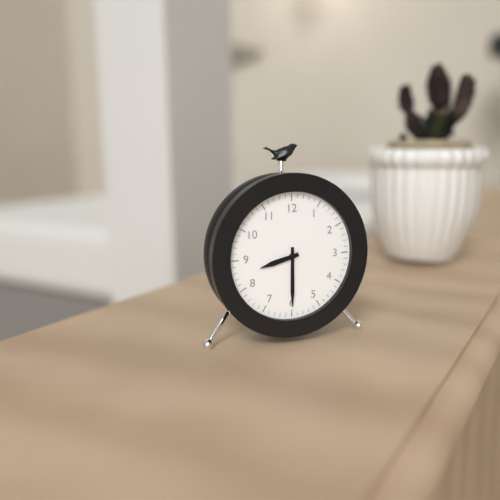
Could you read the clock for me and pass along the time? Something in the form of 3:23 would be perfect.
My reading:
8:30
